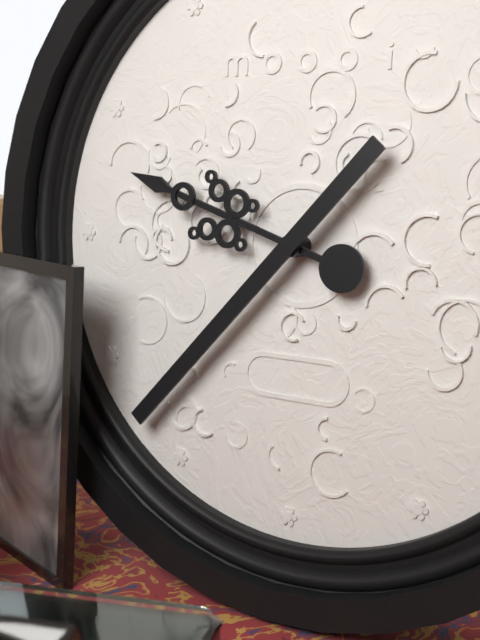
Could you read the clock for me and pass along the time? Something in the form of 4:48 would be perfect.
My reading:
9:37
